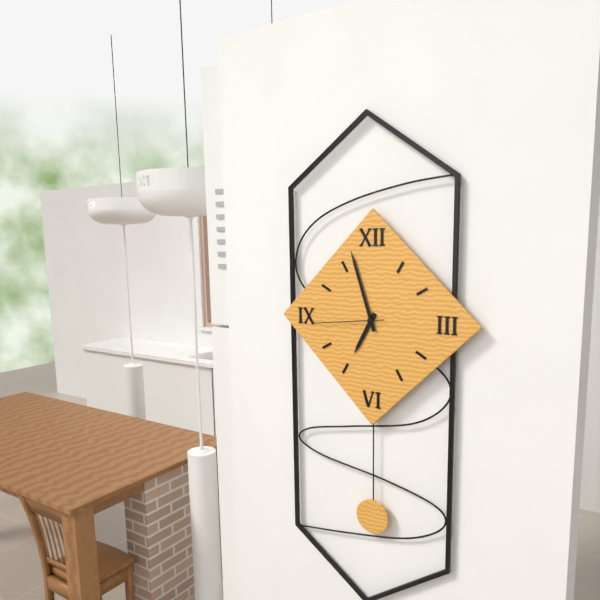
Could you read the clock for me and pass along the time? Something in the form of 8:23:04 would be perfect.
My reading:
6:57:44
